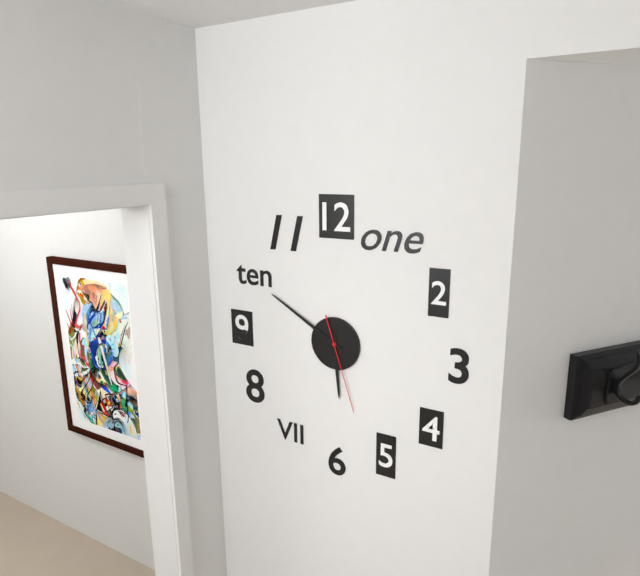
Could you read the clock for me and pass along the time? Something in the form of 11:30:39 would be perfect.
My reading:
5:50:27
